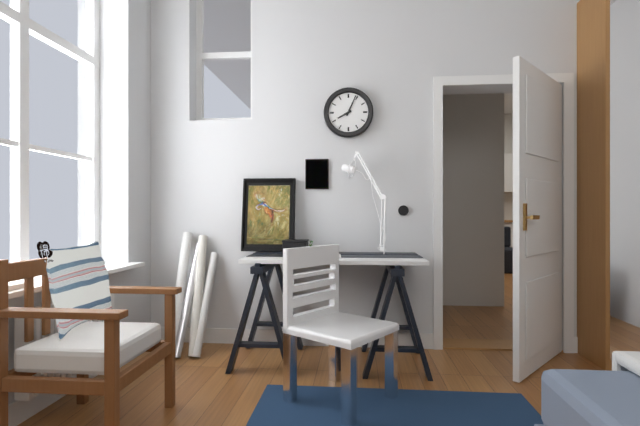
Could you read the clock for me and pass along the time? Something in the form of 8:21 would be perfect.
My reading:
8:04
